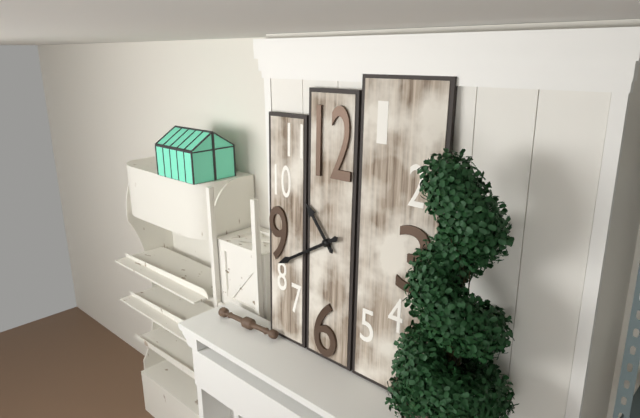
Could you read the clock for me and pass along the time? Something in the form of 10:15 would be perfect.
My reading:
10:40
